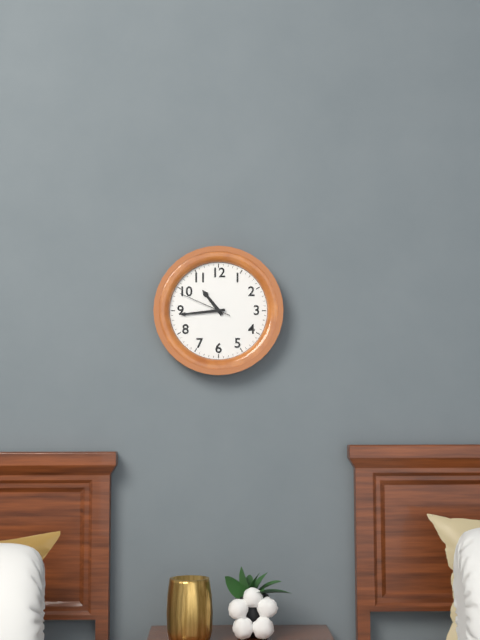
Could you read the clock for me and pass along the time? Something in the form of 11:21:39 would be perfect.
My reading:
10:44:49
